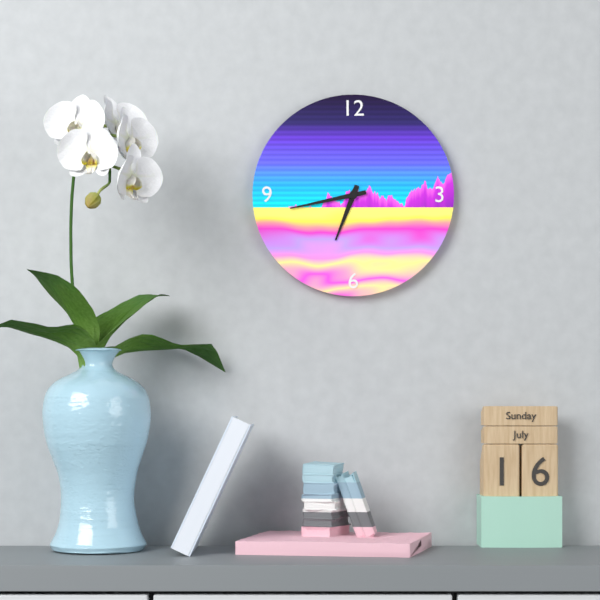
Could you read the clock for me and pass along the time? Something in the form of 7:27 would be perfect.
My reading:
6:43
